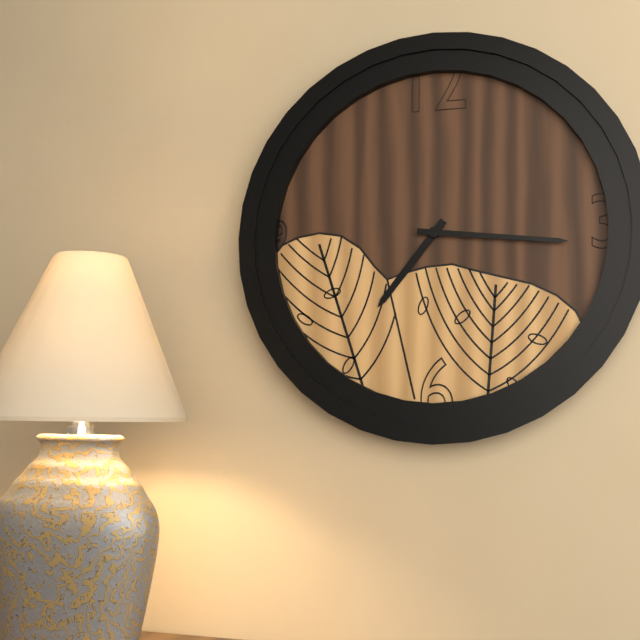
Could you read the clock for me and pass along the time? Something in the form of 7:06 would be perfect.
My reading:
7:16
